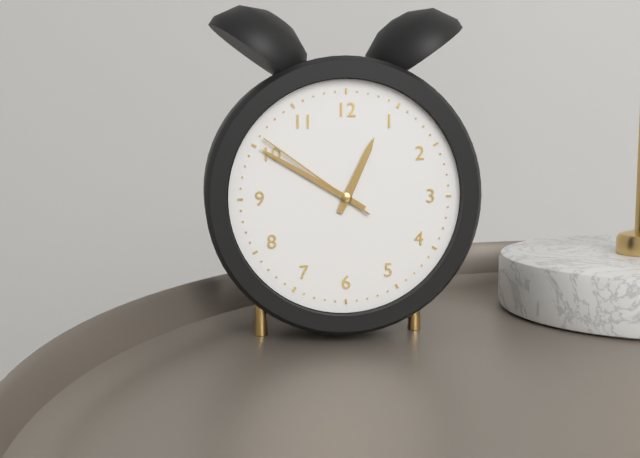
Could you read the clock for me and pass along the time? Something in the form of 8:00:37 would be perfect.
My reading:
12:50:51
